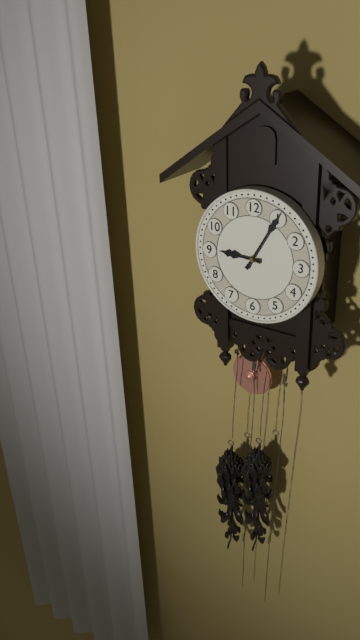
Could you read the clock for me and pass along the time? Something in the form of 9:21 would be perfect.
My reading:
9:05
